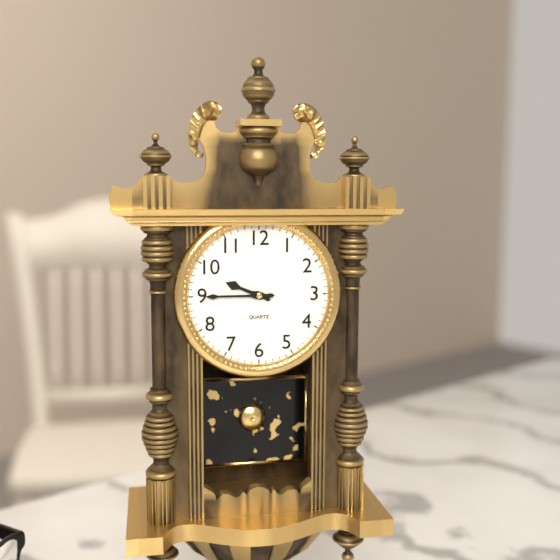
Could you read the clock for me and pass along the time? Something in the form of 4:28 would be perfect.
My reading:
9:45
